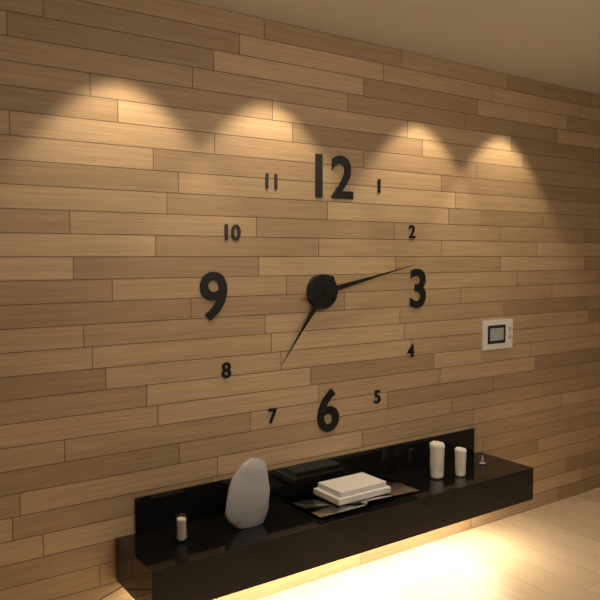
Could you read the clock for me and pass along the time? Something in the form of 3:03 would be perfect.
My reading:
7:13
